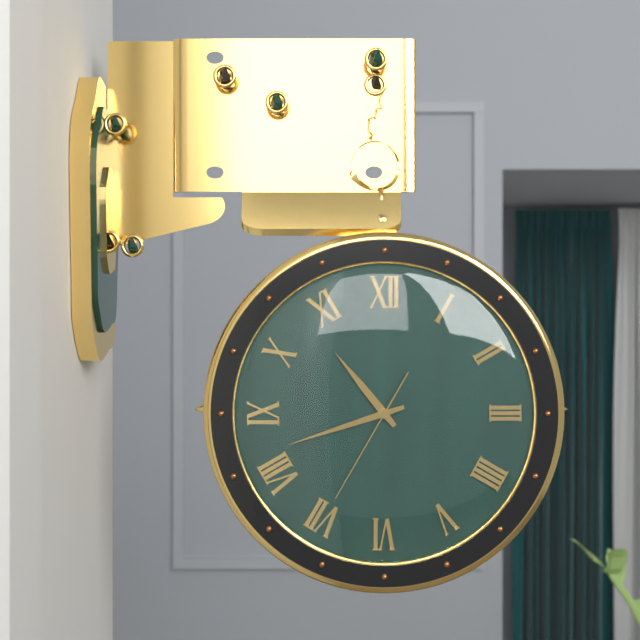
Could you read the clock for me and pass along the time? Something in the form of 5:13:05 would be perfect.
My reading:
10:42:35
